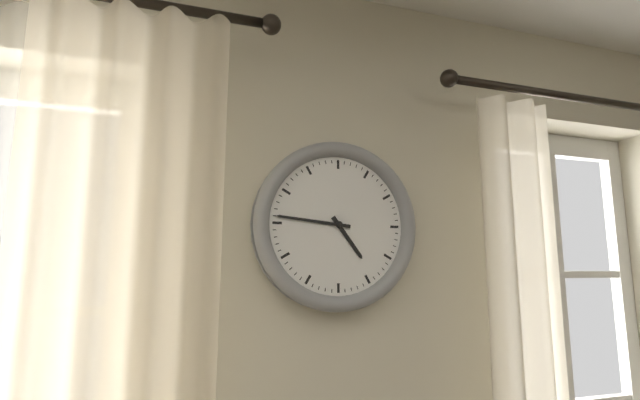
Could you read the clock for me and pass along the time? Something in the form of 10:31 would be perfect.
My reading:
4:46
